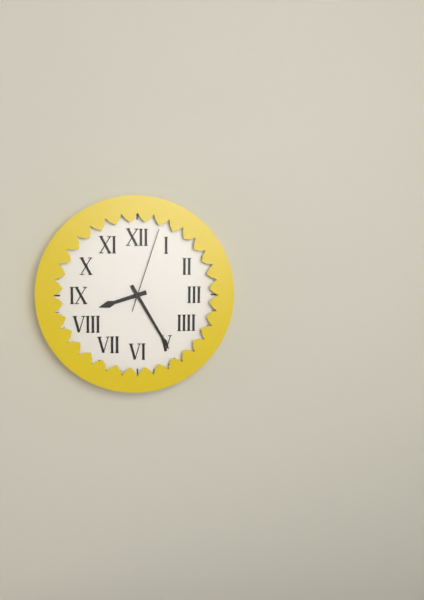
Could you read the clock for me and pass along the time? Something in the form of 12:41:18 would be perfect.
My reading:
8:25:03
